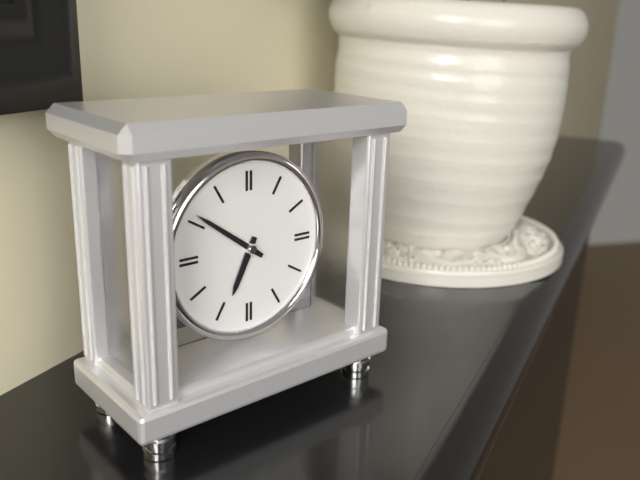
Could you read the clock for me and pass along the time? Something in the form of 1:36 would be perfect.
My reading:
6:51
